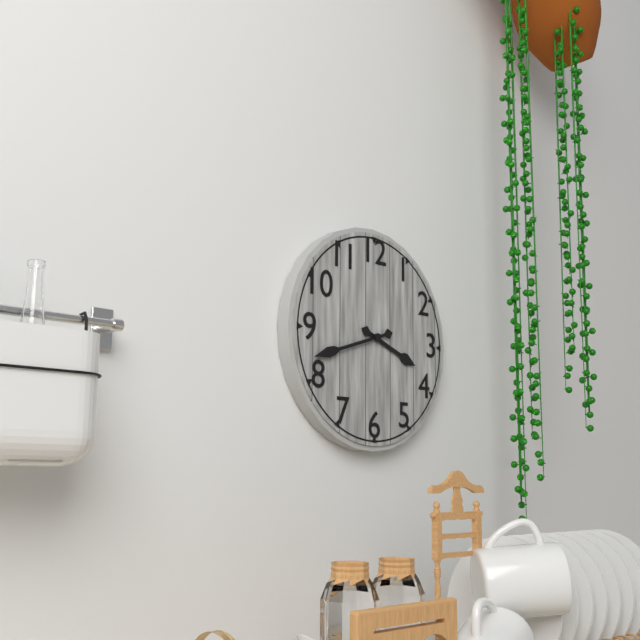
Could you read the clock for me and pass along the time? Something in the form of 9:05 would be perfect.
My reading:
3:42
